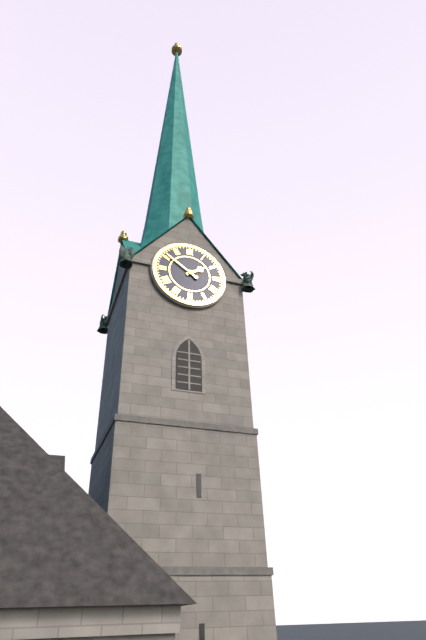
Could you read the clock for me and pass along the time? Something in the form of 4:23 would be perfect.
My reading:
1:51
